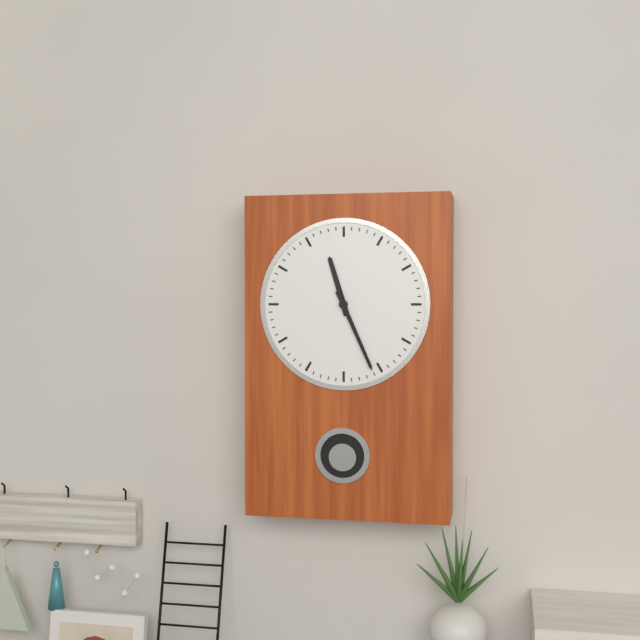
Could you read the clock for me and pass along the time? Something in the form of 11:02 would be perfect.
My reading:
11:26
